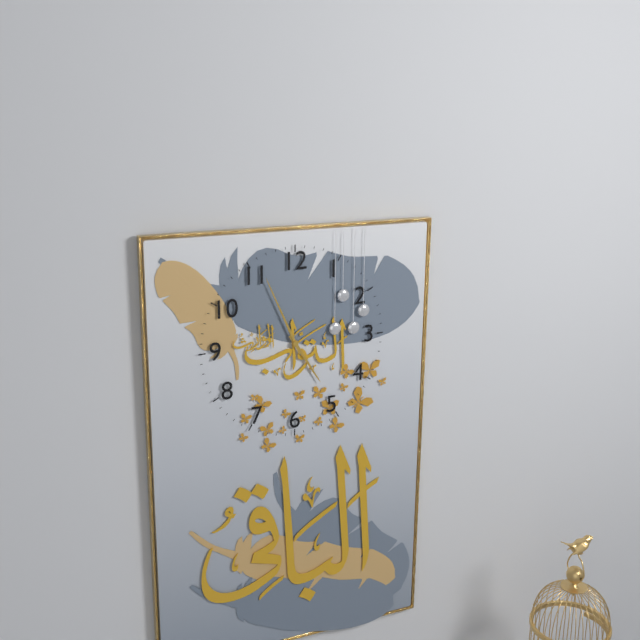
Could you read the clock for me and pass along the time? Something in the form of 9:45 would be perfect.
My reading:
4:56
